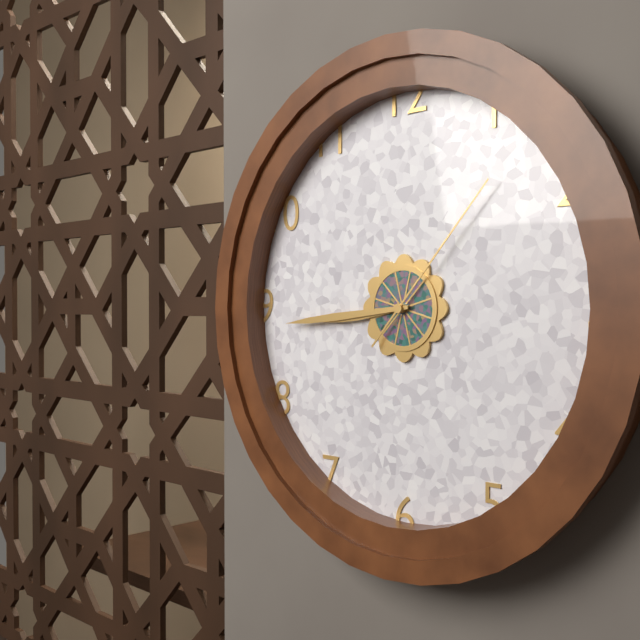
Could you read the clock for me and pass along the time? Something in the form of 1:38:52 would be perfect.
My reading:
8:44:07
